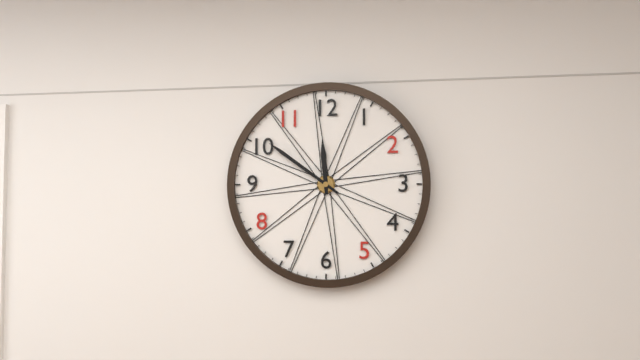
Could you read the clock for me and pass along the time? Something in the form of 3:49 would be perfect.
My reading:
11:51
